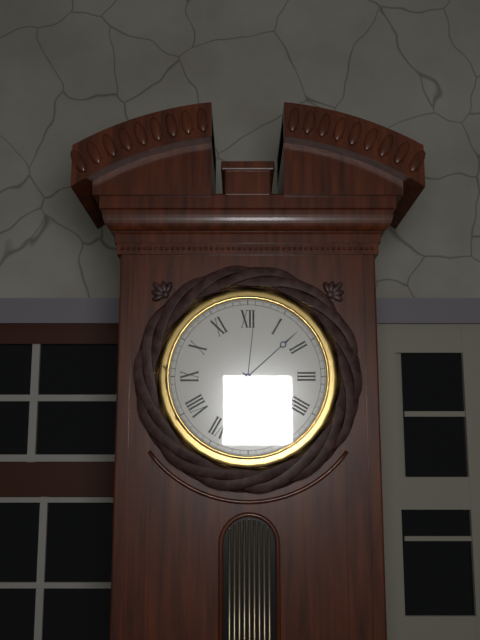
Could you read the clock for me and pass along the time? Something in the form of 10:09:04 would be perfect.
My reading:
4:08:01
